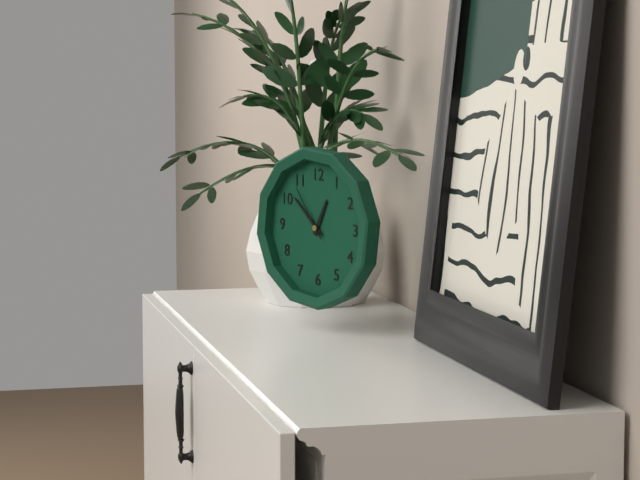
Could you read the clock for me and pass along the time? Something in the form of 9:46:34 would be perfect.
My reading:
12:52:54
